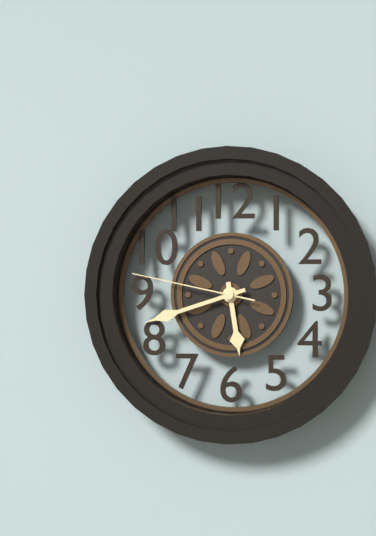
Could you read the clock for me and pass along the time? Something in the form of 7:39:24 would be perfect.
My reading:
5:42:47
